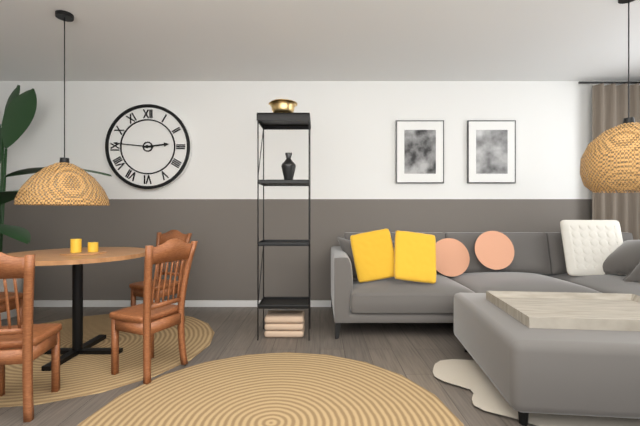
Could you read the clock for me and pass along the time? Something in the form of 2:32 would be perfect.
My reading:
2:46
